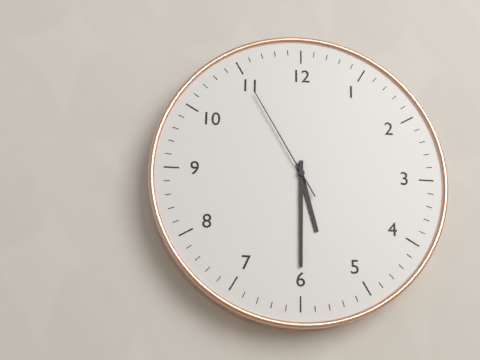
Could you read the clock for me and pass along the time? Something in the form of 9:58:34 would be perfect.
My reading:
5:30:55
